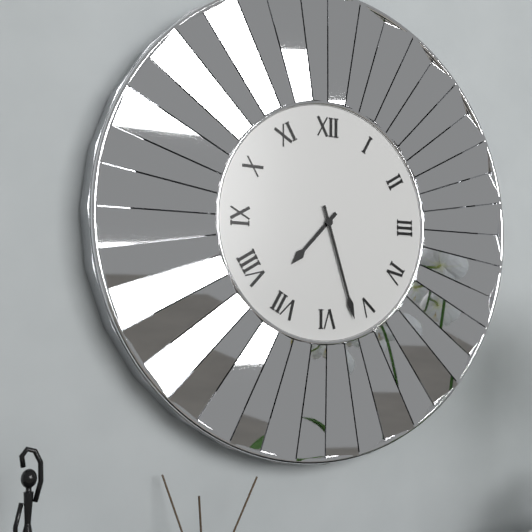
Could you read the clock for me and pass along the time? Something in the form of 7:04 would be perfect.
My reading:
7:27
